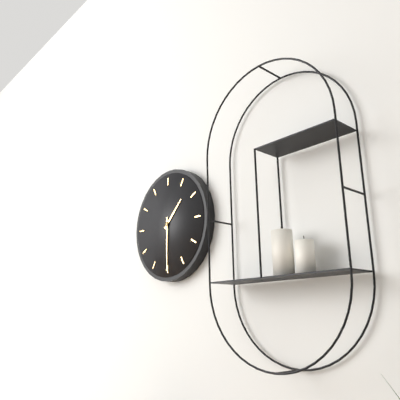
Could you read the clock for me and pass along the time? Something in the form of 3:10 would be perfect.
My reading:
1:30
